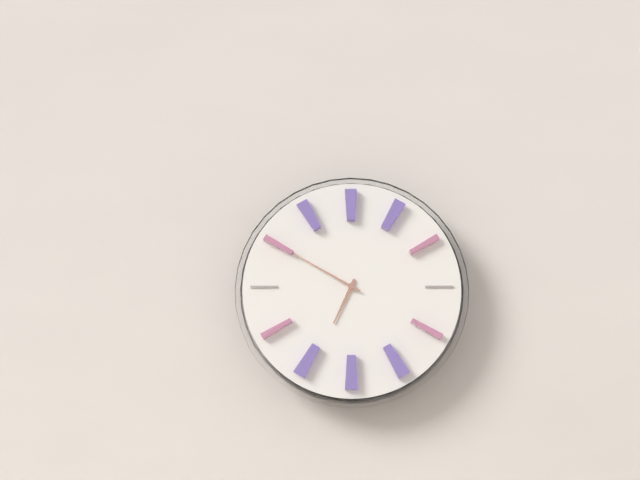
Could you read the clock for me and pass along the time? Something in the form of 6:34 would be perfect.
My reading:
6:50
